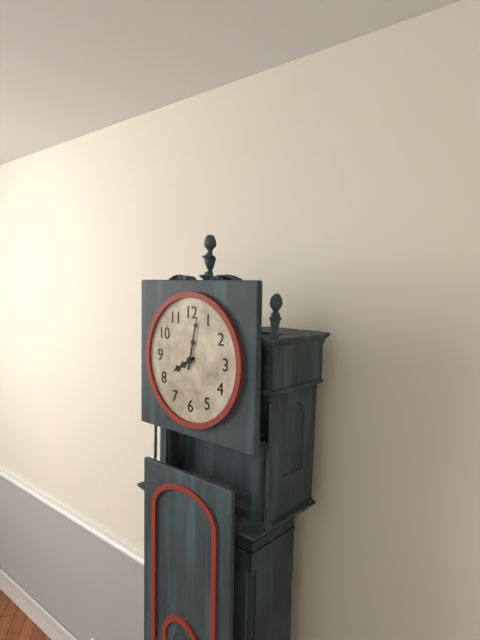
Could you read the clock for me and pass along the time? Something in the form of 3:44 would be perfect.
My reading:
8:02
